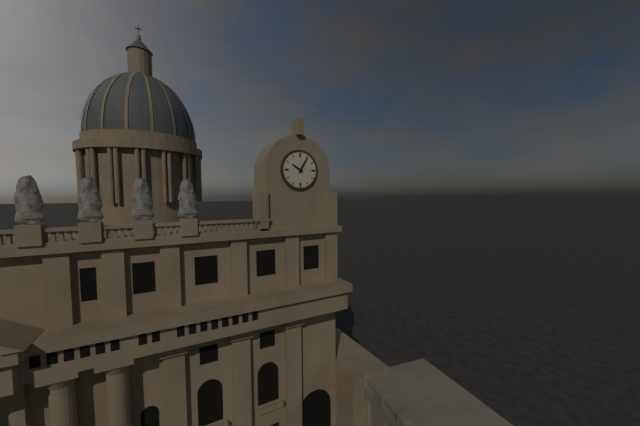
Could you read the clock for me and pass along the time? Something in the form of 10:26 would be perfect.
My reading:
10:05
